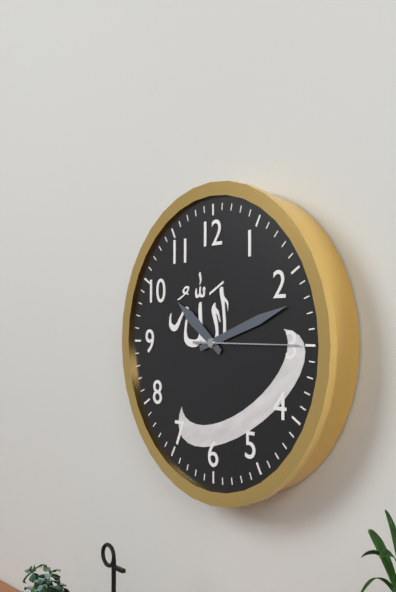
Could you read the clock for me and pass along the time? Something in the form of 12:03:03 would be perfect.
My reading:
10:12:15
